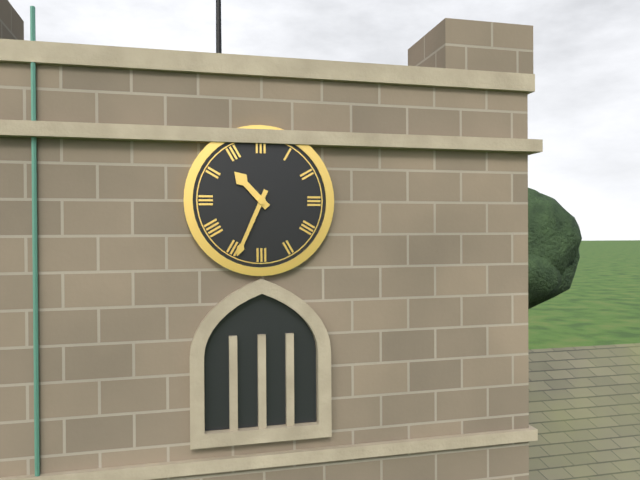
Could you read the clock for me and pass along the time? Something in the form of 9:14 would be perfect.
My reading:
10:34
